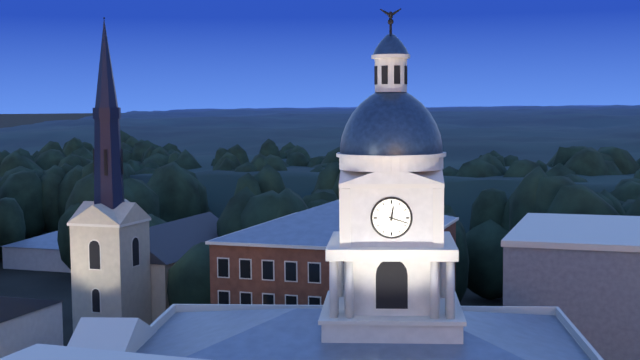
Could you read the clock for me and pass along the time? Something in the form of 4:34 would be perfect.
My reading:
12:18
